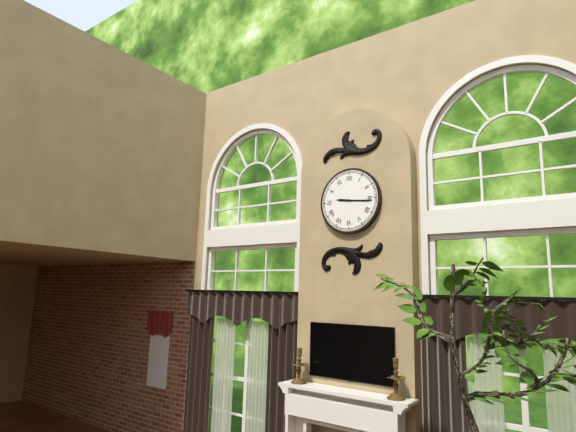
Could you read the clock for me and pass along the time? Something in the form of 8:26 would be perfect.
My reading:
9:16
